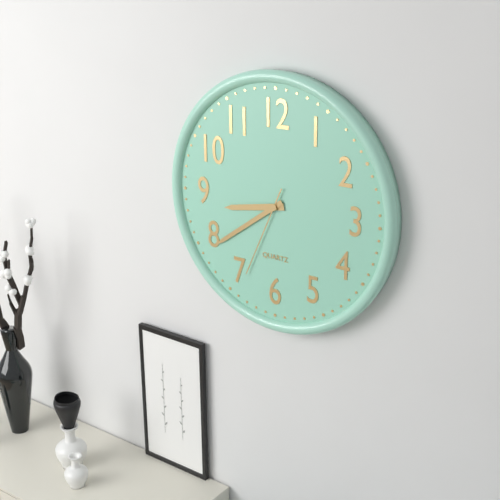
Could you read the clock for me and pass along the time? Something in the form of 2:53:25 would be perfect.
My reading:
8:39:34
